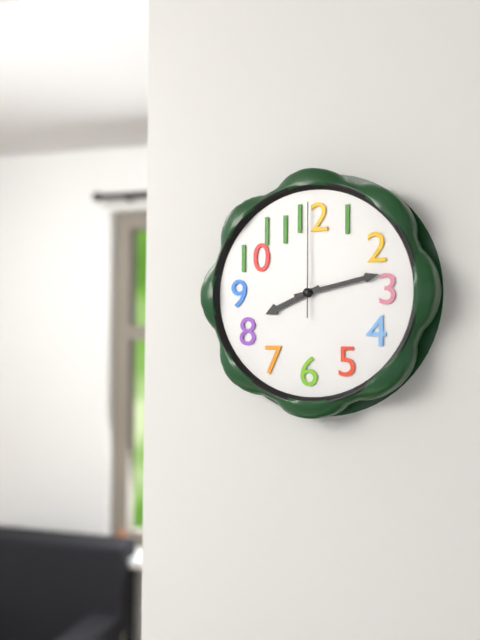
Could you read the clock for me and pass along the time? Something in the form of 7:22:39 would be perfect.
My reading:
8:13:00
